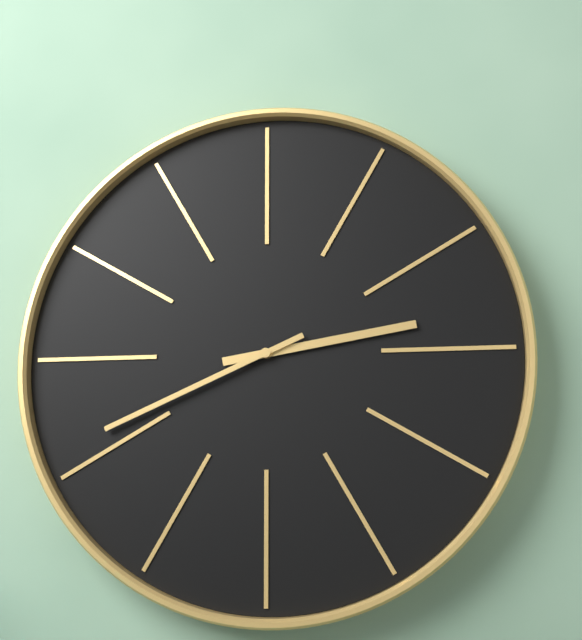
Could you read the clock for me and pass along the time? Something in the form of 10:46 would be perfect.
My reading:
2:41
